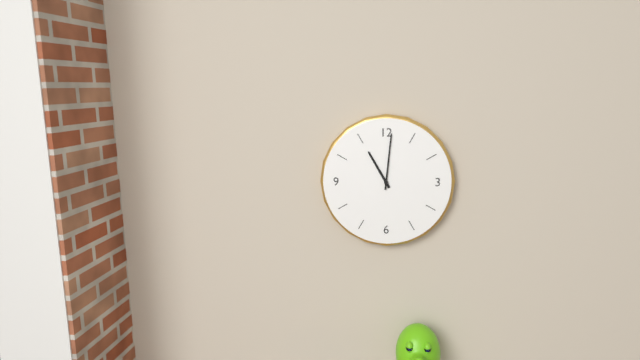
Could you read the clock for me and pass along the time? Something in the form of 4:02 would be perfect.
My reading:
11:01
